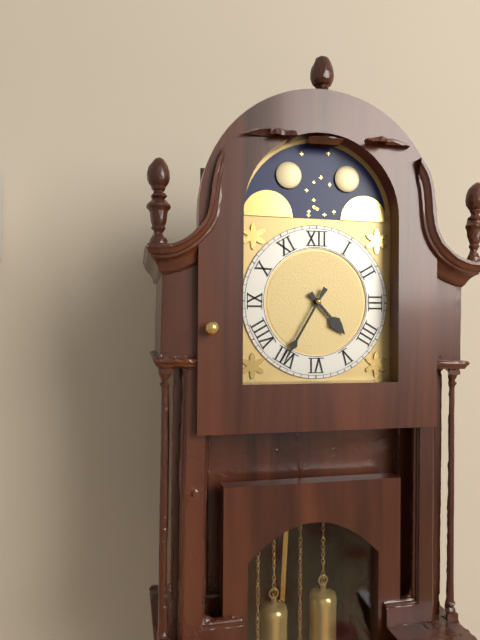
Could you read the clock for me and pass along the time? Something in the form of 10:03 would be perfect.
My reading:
4:35
